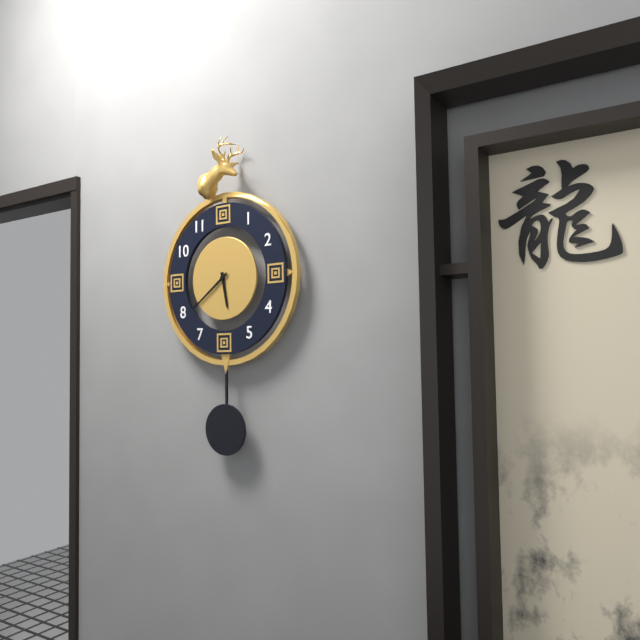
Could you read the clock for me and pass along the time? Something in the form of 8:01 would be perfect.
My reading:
5:39
